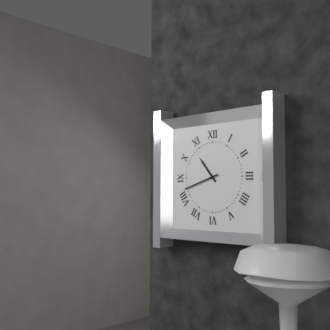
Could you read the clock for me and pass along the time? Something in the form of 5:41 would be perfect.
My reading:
10:42
